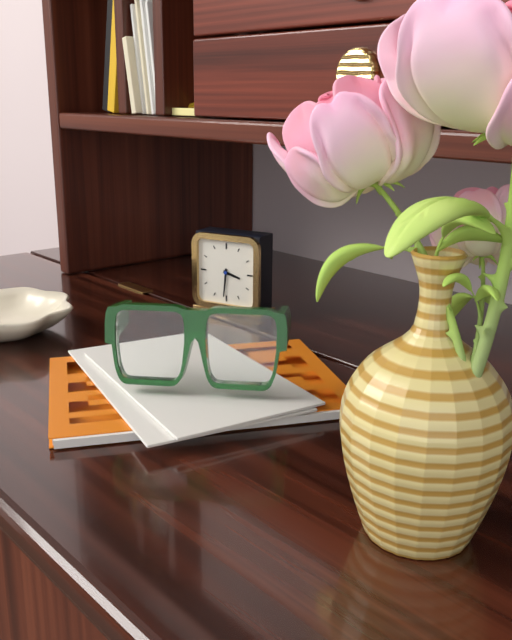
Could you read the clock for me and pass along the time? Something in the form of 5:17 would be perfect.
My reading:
3:31
